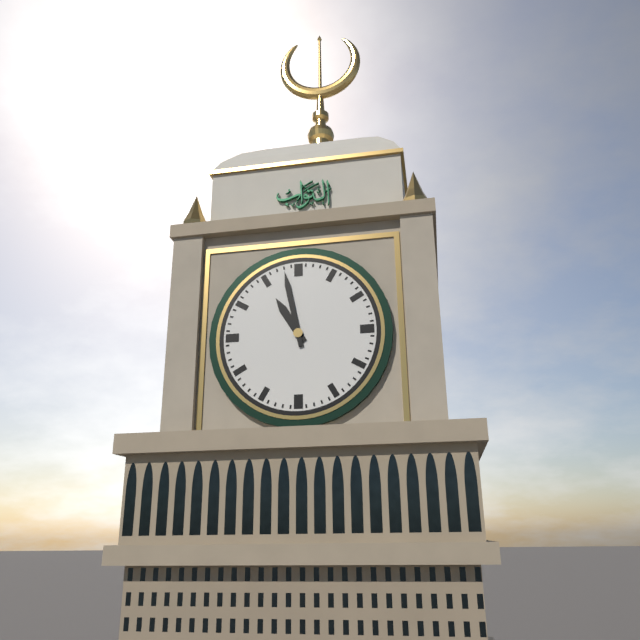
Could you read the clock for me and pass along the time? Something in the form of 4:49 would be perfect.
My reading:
10:58
